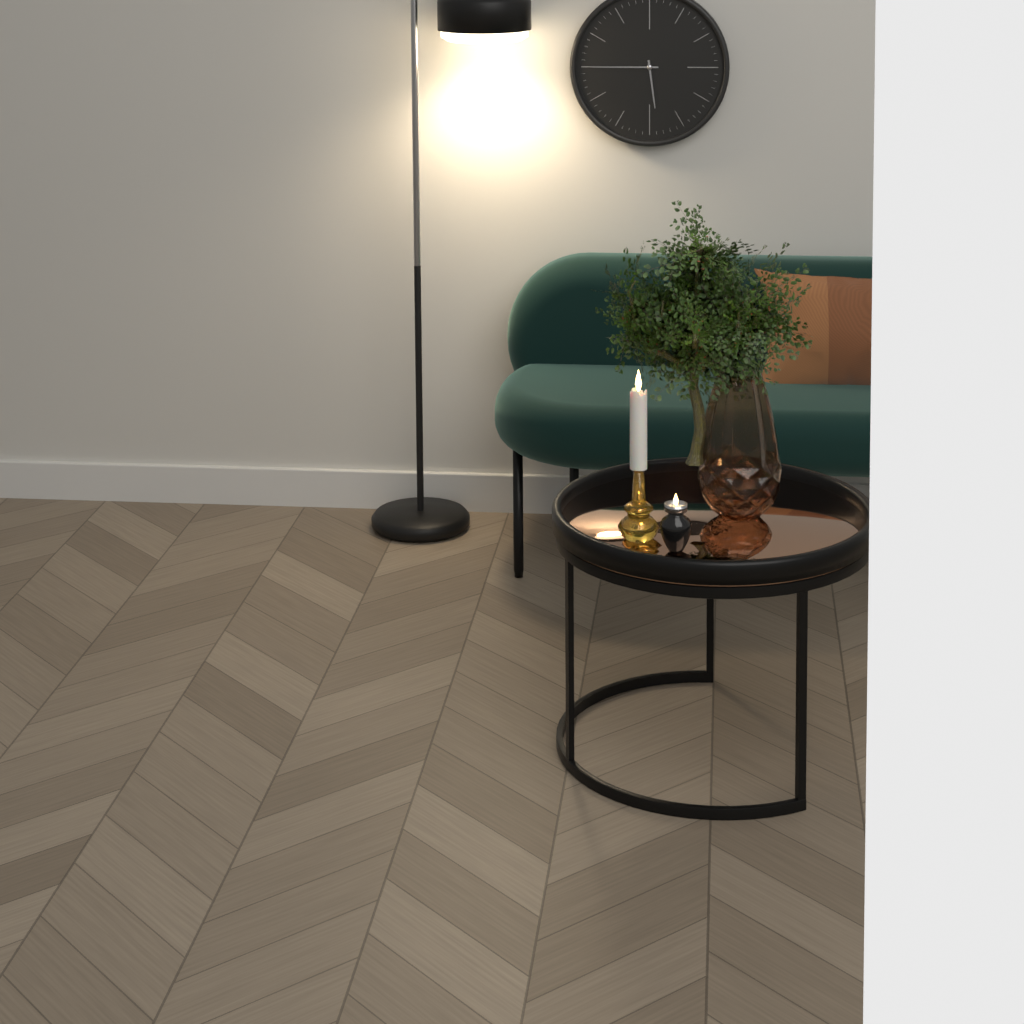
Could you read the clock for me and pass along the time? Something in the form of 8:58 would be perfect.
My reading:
5:45
